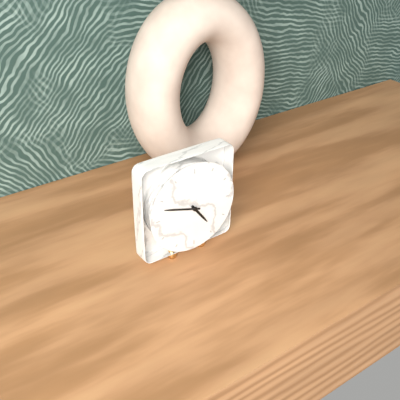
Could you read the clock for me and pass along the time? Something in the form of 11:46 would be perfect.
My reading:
4:48
